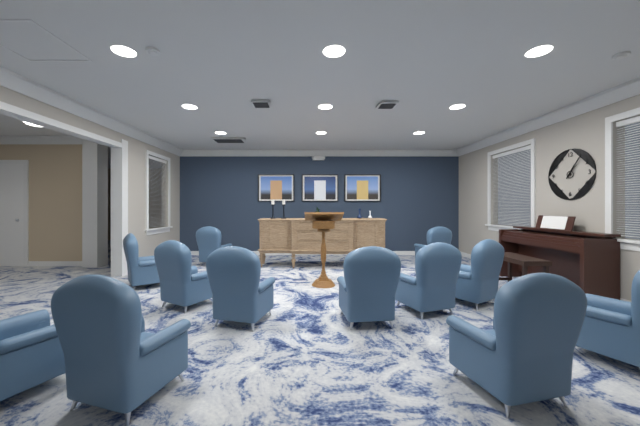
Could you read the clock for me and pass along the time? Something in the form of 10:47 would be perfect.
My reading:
1:06
